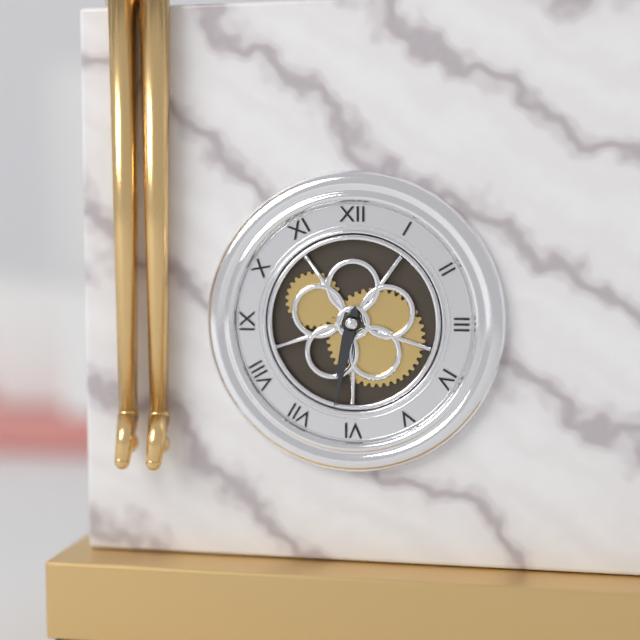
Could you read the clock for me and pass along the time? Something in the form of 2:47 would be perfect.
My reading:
6:32
